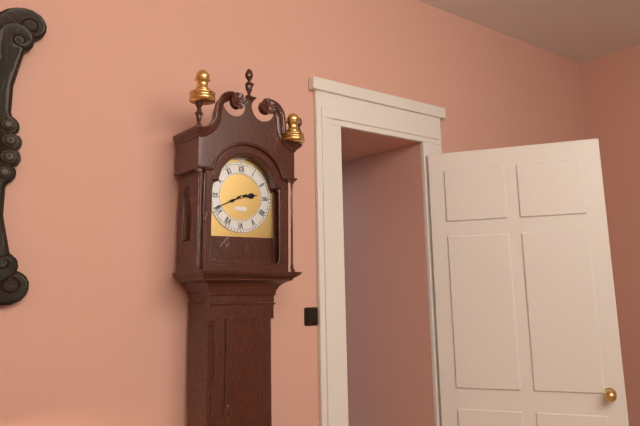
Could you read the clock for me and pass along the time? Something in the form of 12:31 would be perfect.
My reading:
2:41
